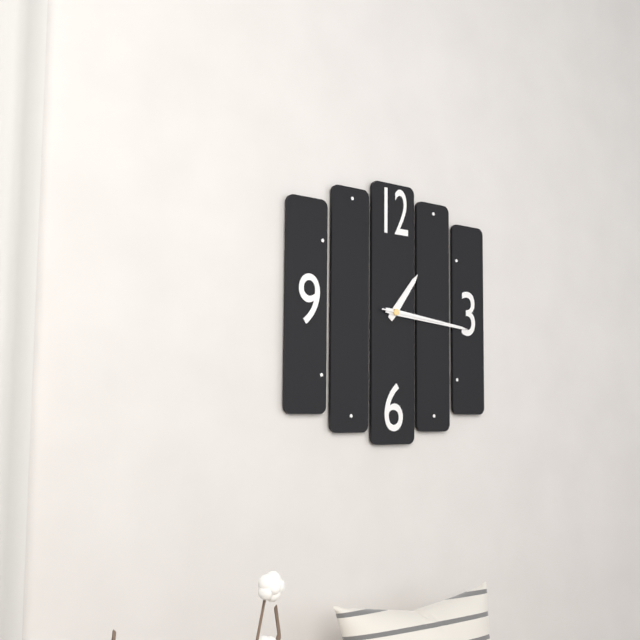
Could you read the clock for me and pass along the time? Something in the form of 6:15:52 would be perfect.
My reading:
1:16:16
